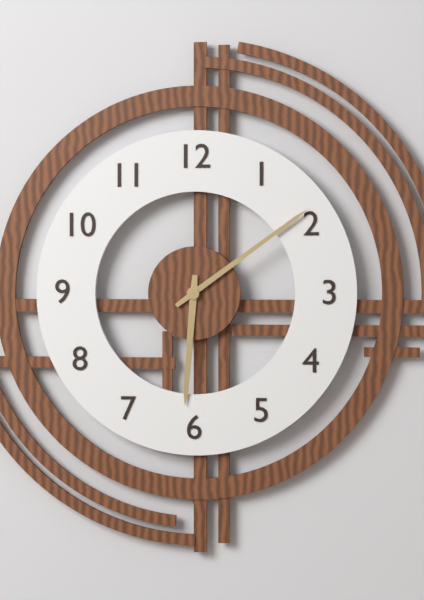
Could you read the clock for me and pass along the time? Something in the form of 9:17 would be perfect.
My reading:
6:09
